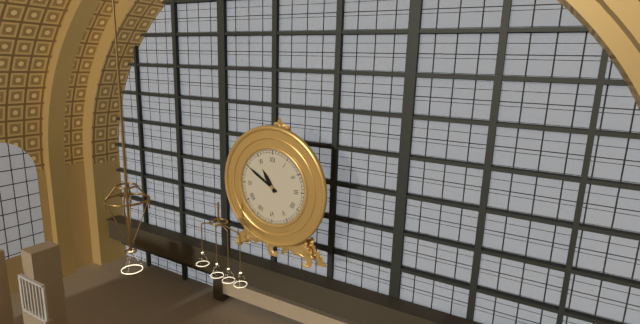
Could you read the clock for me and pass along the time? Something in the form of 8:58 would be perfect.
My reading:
10:50
